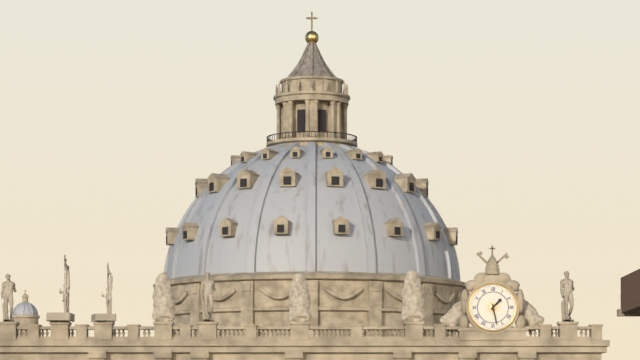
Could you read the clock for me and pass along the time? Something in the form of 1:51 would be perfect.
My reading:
1:28
